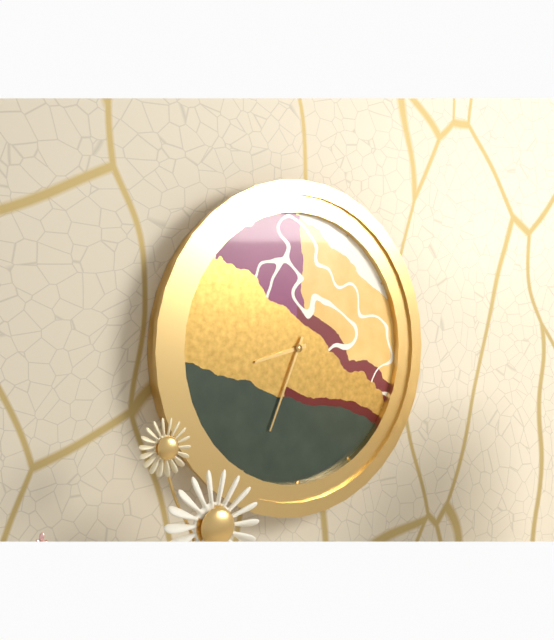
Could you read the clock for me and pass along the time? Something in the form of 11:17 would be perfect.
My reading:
8:34
